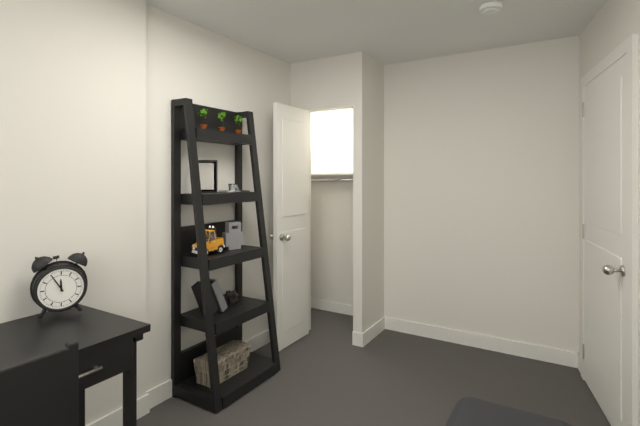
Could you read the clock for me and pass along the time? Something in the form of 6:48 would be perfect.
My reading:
11:55
